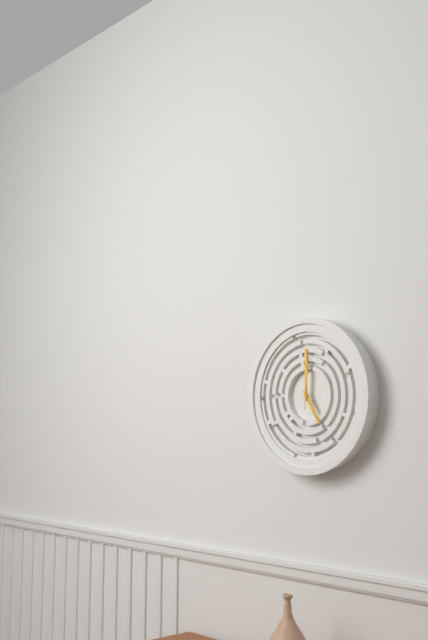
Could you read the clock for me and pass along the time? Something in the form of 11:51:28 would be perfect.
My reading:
5:00:01
